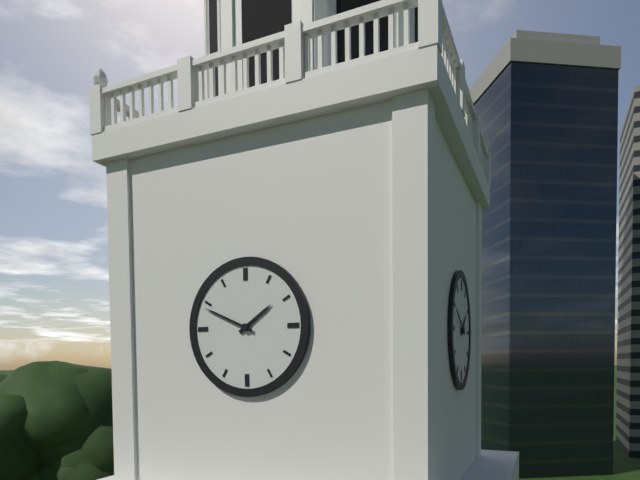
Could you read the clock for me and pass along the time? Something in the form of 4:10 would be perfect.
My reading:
1:49
